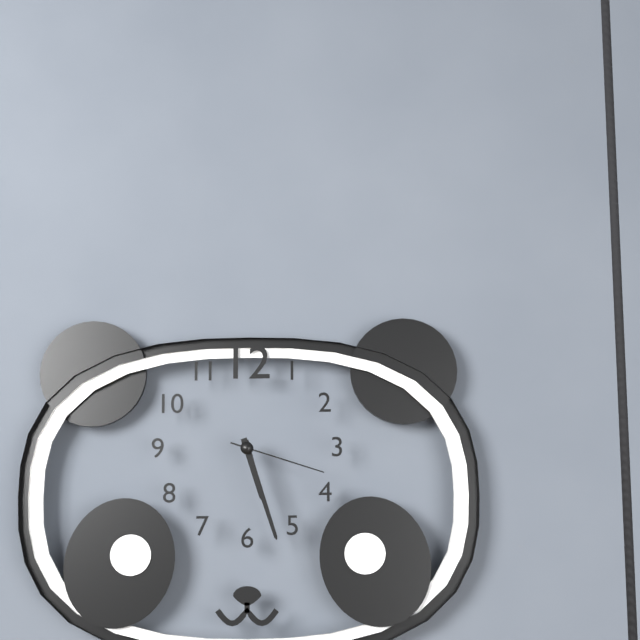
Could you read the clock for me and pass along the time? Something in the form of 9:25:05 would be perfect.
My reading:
5:27:18
